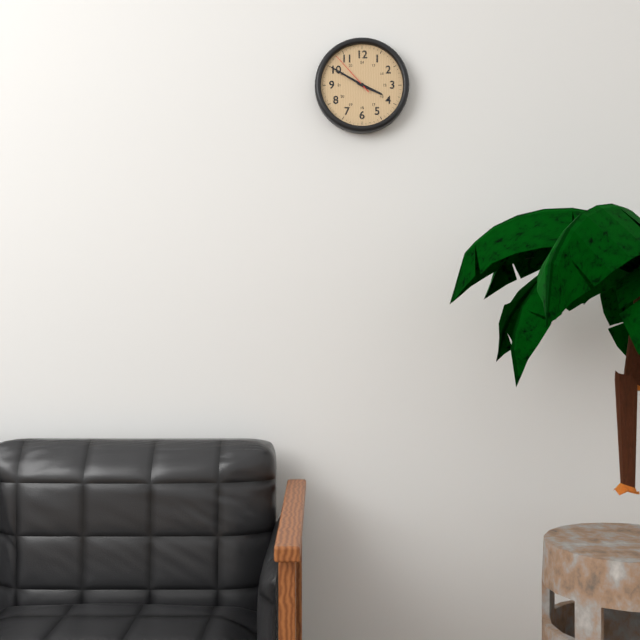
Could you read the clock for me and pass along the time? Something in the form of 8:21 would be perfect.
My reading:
3:50
